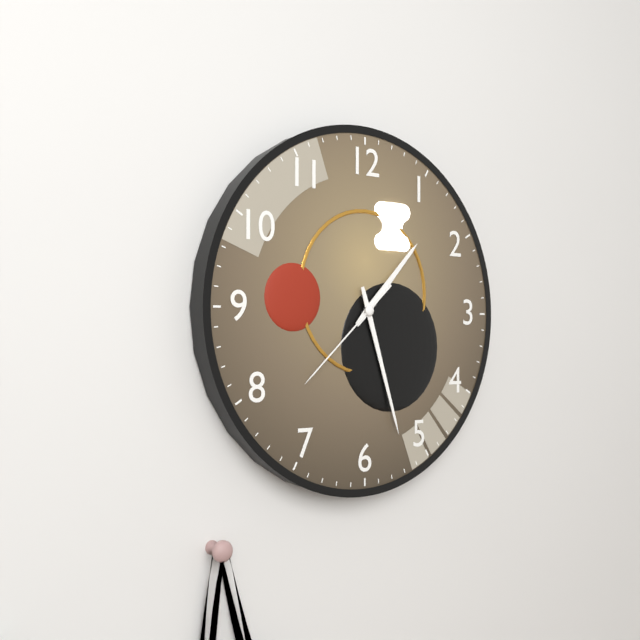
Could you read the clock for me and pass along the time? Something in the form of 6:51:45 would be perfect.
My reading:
1:27:38
